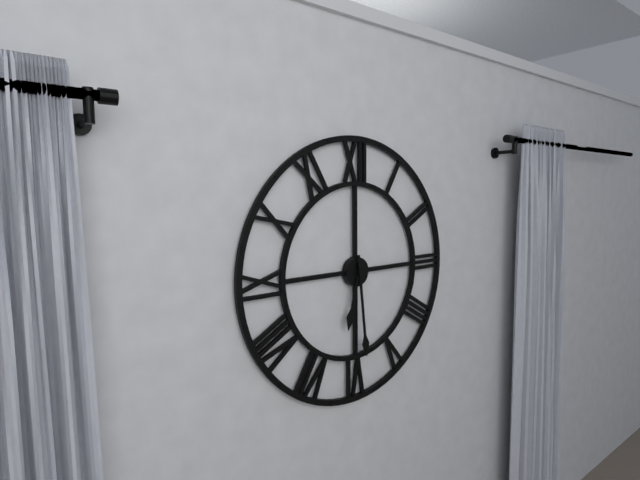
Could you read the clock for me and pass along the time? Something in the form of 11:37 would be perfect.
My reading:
6:29
